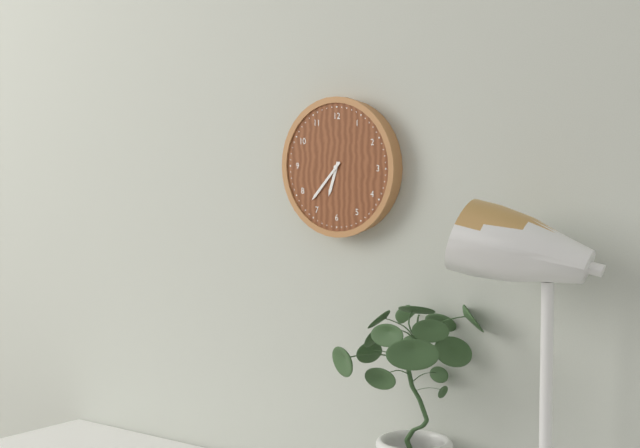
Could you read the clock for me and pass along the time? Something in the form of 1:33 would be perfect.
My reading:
6:37
